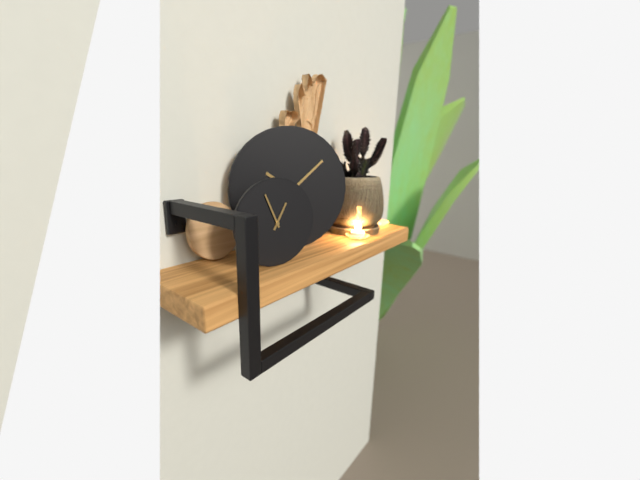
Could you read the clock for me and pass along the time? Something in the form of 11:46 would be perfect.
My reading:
12:56
